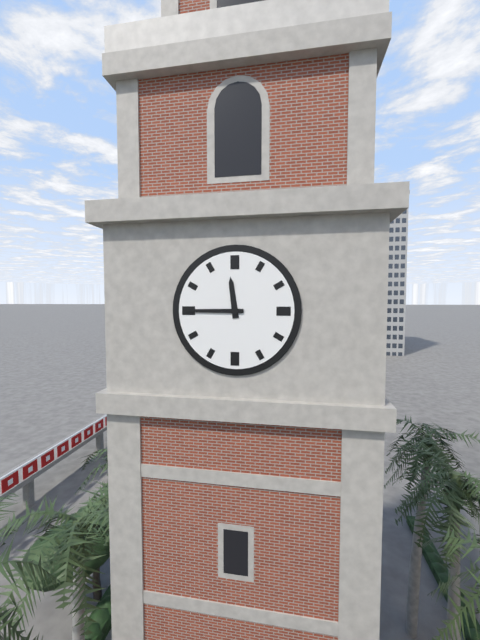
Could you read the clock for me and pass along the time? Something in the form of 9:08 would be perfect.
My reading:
11:45
